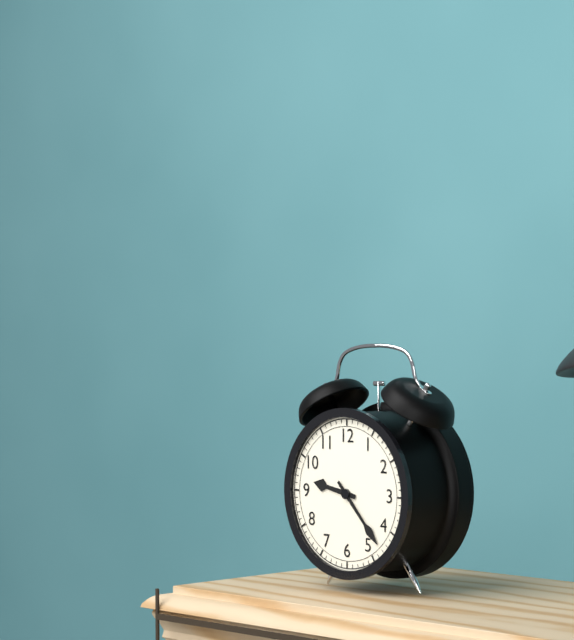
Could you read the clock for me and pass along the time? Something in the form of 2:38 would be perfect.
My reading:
9:23
